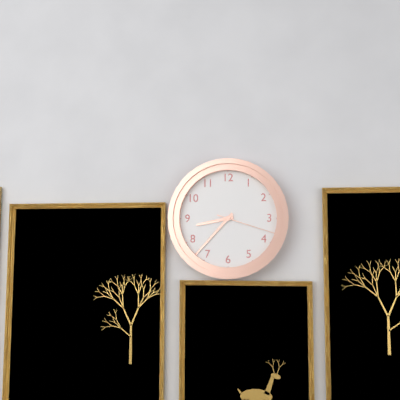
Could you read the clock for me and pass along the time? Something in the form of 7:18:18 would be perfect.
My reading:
8:37:18
